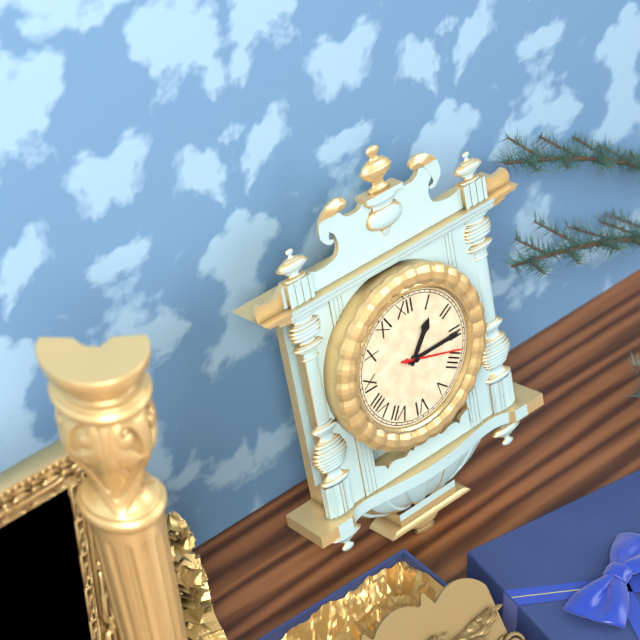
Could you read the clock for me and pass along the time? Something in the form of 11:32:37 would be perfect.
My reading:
1:15:18
